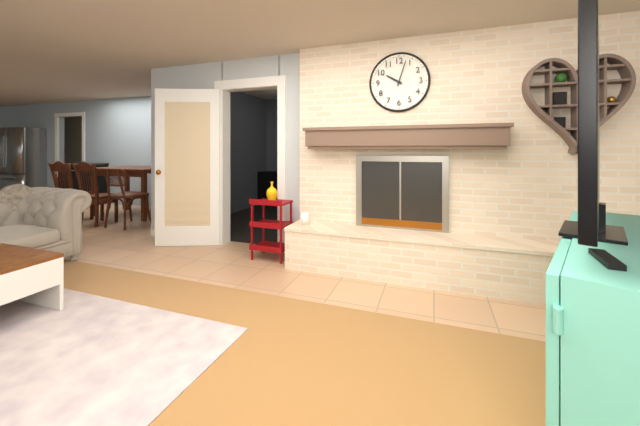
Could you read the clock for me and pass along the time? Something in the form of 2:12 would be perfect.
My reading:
10:03
